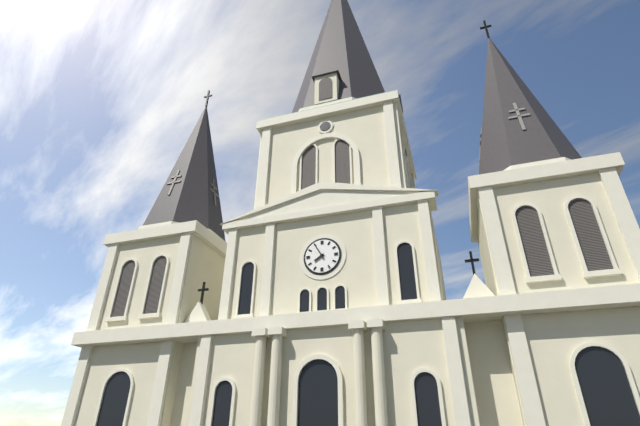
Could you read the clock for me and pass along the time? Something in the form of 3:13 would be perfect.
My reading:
7:55
